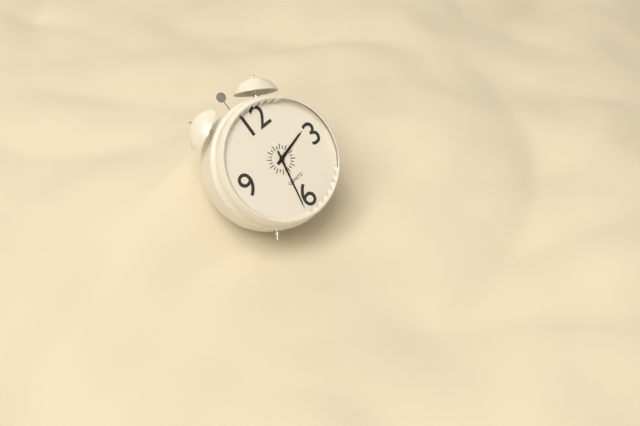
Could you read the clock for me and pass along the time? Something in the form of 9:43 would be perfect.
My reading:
2:32
